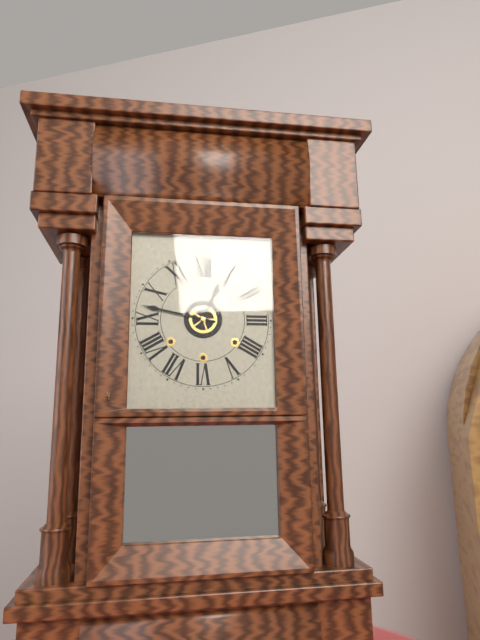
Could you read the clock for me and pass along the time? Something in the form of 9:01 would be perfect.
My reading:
12:47
